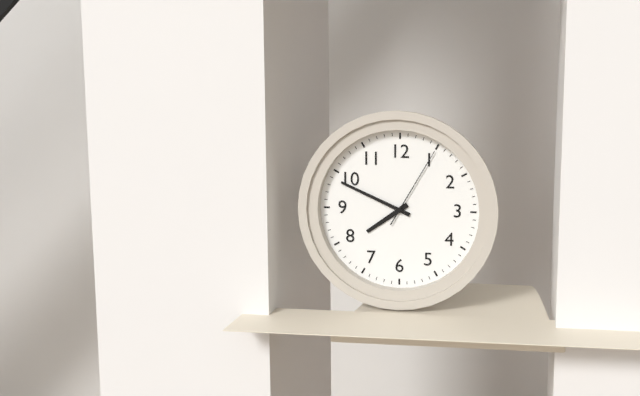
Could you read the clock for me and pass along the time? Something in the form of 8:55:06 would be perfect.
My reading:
7:49:05
